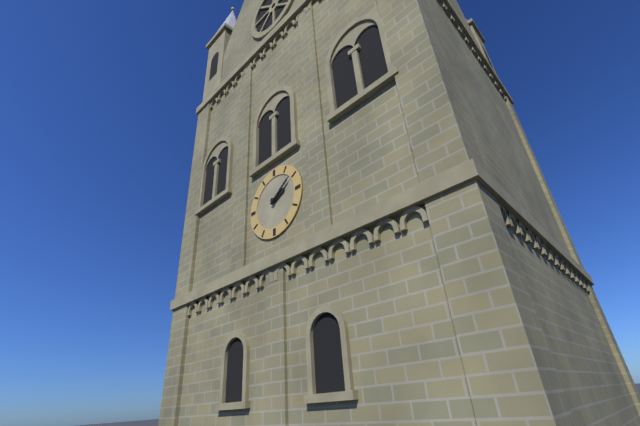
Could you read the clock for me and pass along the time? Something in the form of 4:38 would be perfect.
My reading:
2:09
